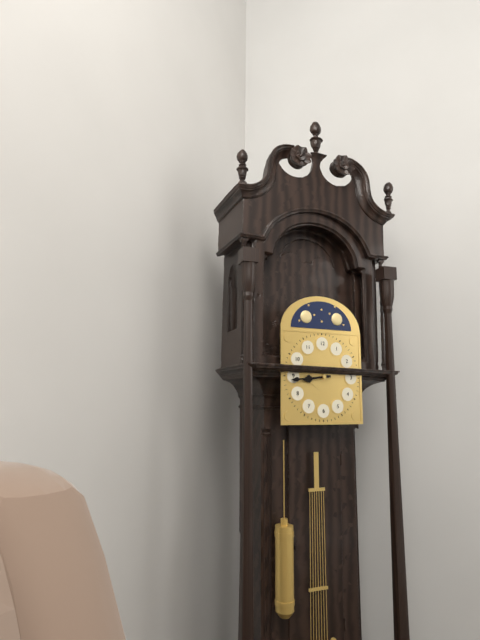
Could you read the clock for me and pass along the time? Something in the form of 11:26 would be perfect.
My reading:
8:44
